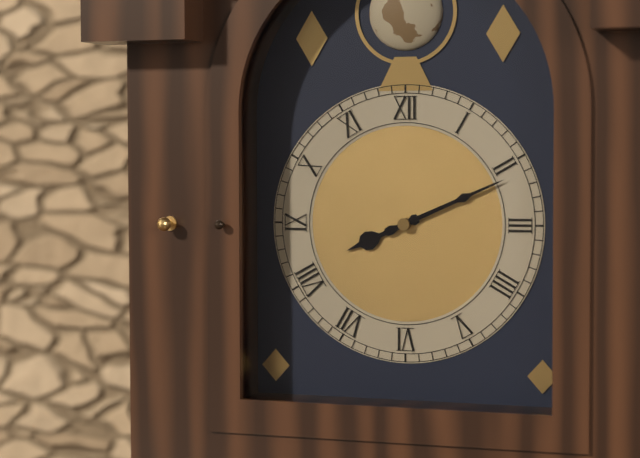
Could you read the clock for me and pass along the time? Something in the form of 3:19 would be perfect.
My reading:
8:11
